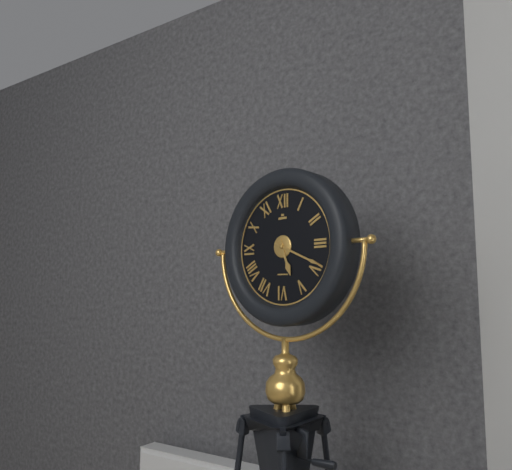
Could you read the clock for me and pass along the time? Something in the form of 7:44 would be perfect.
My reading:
5:19
